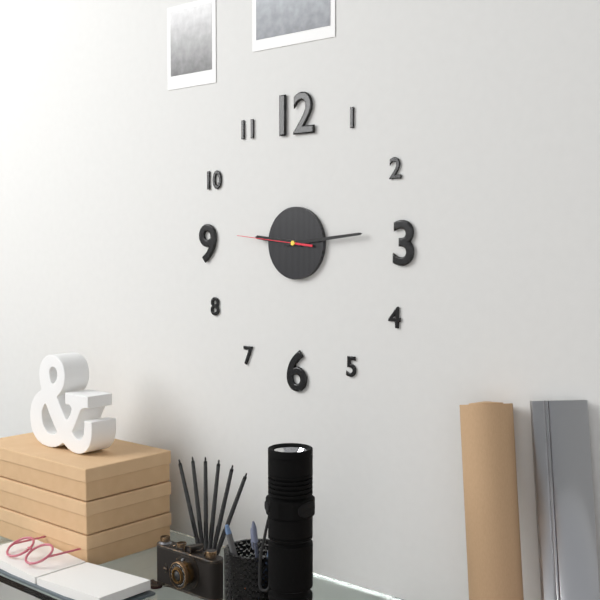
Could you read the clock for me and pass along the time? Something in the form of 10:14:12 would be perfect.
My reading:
9:14:46
